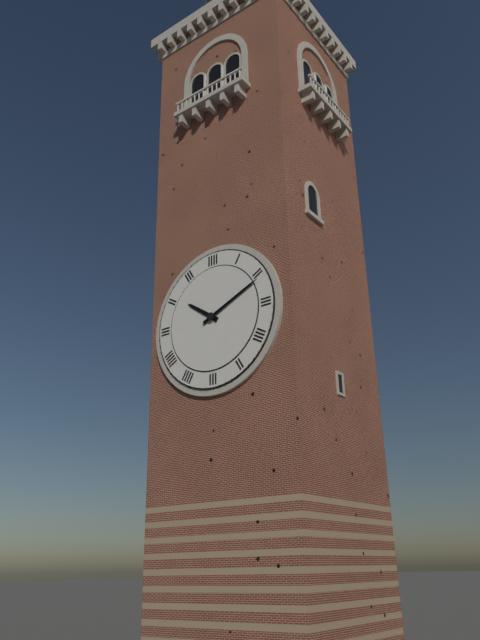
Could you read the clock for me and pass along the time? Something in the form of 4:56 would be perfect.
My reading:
10:11
